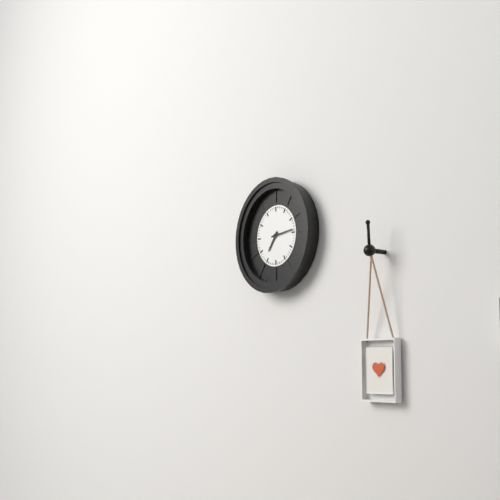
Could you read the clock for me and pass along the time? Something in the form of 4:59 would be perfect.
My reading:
7:14
